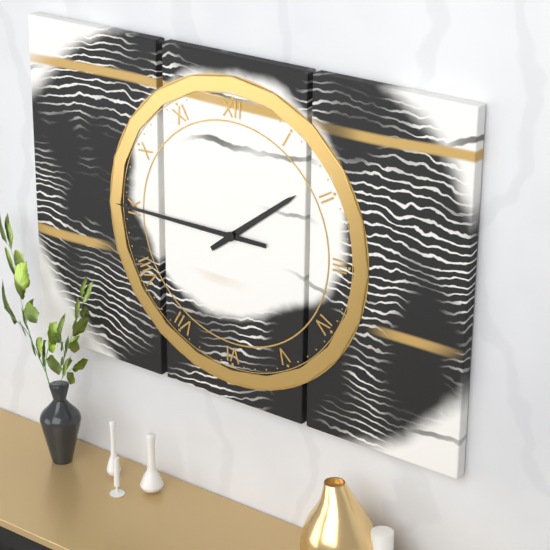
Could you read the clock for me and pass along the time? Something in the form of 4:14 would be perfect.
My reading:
1:45
